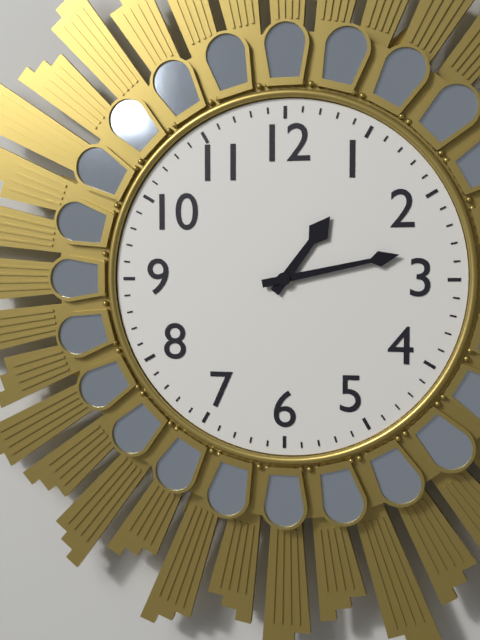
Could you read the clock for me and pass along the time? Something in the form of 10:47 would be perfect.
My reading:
1:13
